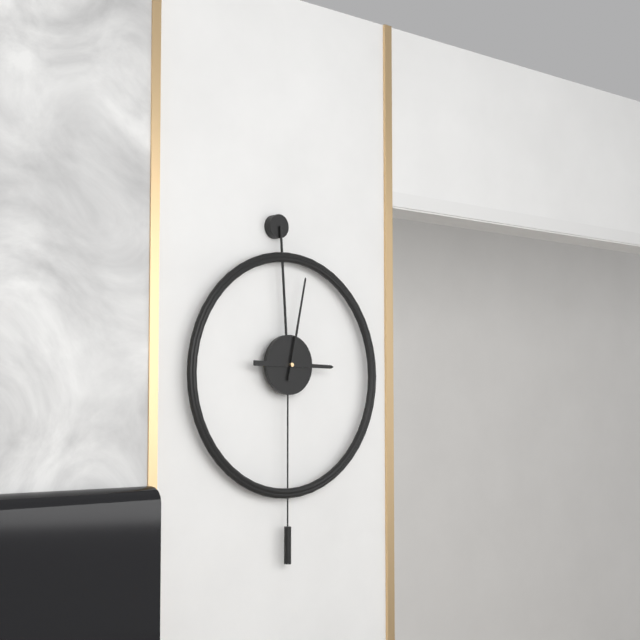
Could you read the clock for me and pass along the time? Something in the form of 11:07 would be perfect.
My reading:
3:02
